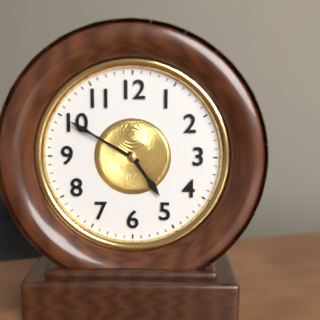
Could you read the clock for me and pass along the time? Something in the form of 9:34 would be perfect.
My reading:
4:50
